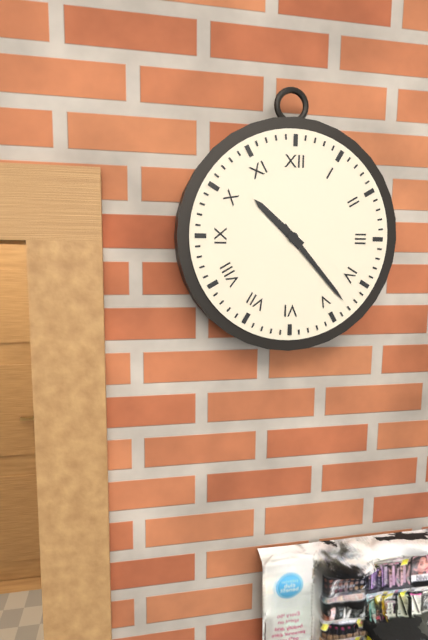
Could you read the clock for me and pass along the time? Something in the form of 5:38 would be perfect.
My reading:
10:23
